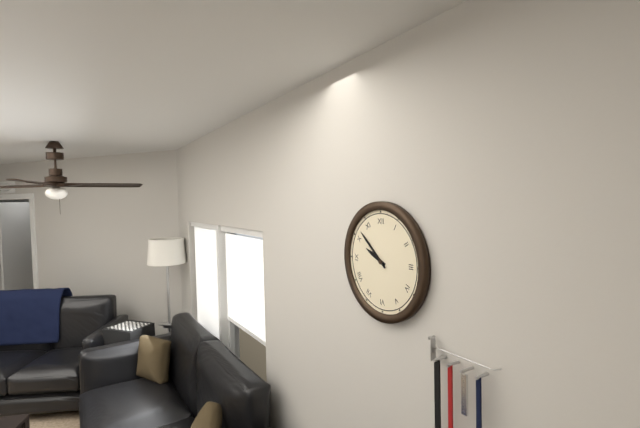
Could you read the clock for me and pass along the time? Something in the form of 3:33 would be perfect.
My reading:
9:52
